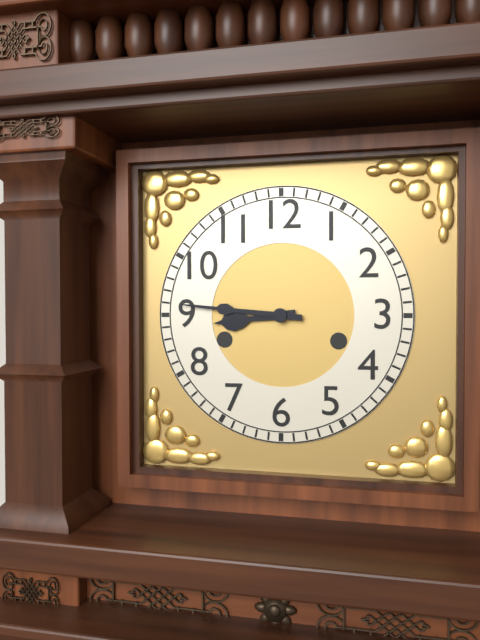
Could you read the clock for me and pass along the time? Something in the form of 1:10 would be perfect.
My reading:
8:46
